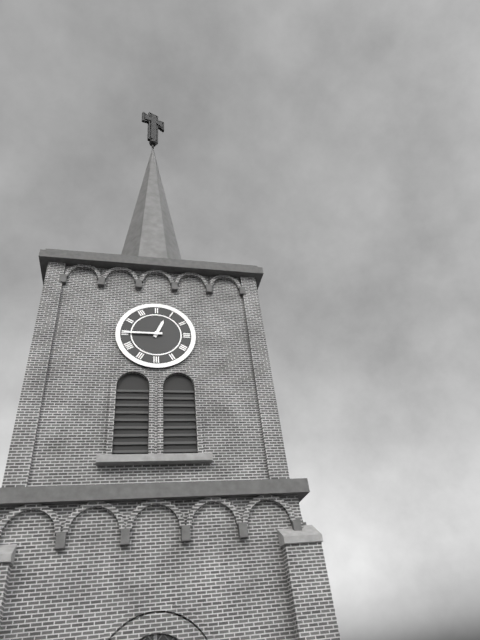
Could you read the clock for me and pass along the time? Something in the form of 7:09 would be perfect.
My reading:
12:45
